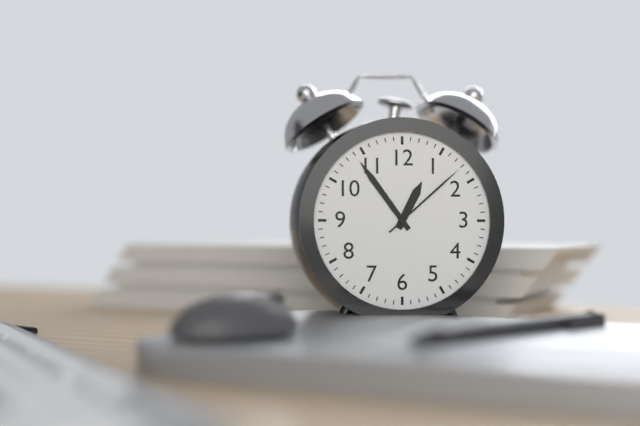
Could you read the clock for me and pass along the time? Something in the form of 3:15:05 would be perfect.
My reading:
12:54:08
